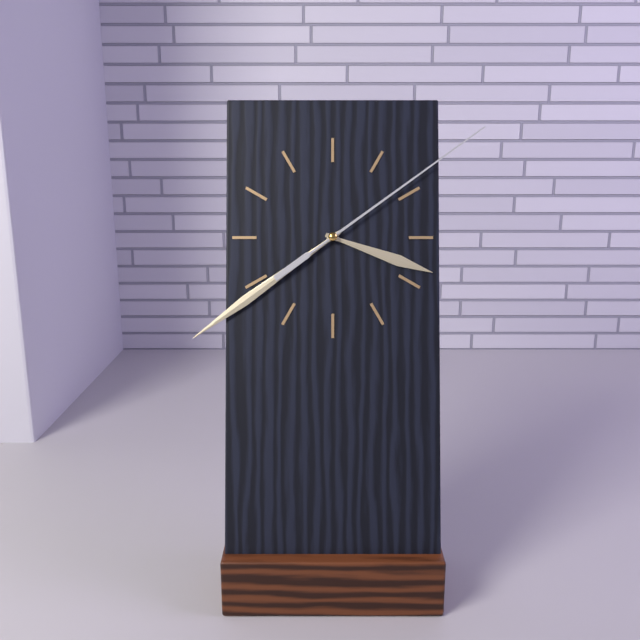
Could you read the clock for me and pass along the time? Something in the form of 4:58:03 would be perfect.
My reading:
3:39:09
